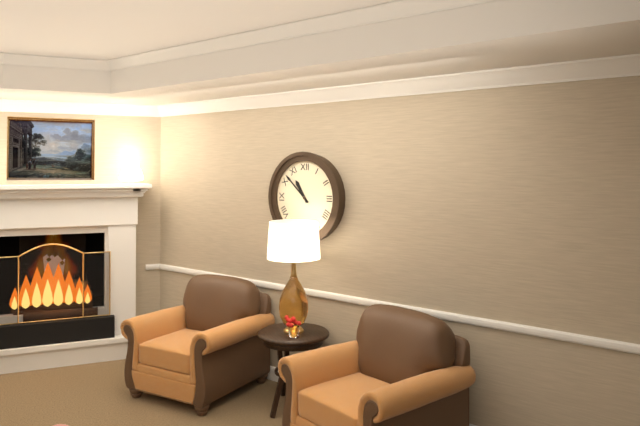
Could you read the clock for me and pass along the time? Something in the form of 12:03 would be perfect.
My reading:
10:52
